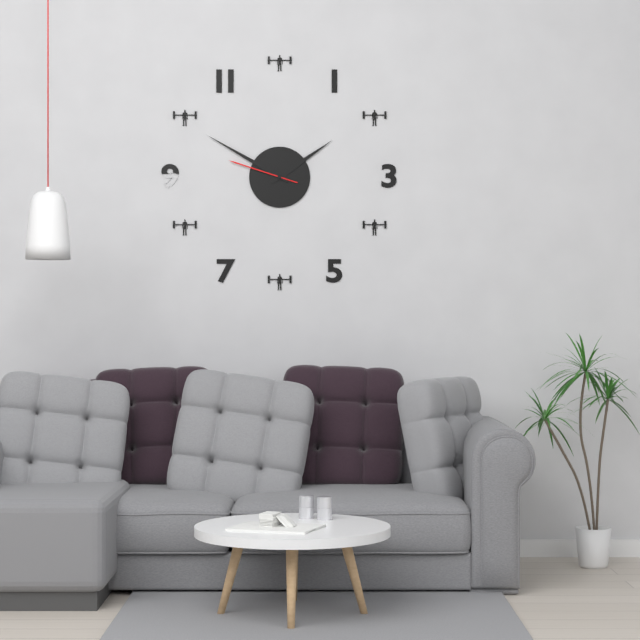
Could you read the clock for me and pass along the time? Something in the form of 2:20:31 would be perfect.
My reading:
1:50:48
